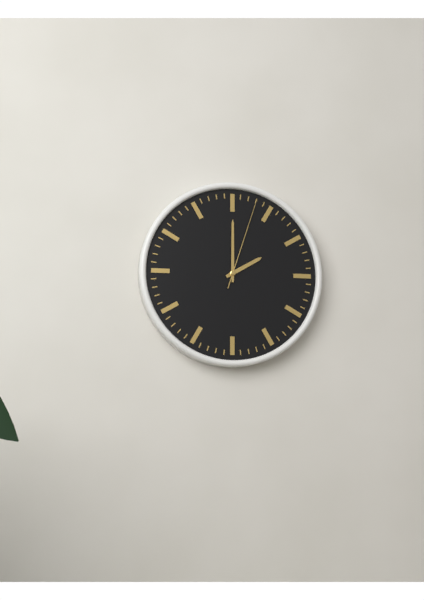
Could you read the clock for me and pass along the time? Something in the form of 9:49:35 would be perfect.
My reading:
2:00:03
